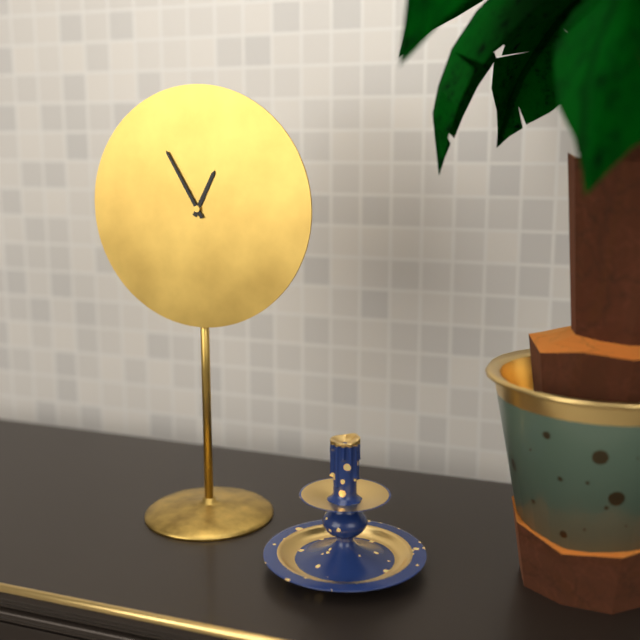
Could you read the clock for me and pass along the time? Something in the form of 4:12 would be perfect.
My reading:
12:55
